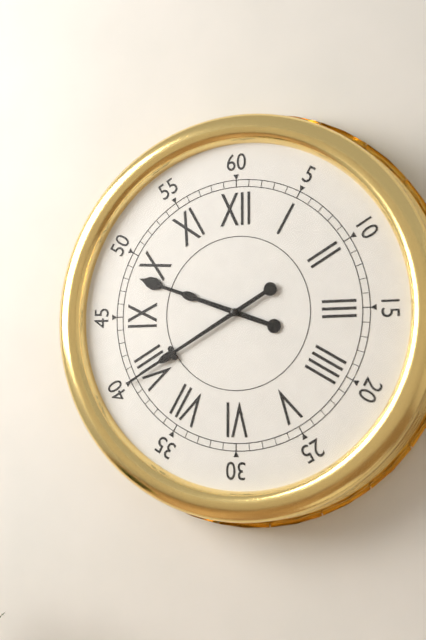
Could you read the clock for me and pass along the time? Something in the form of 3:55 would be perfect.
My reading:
9:40
